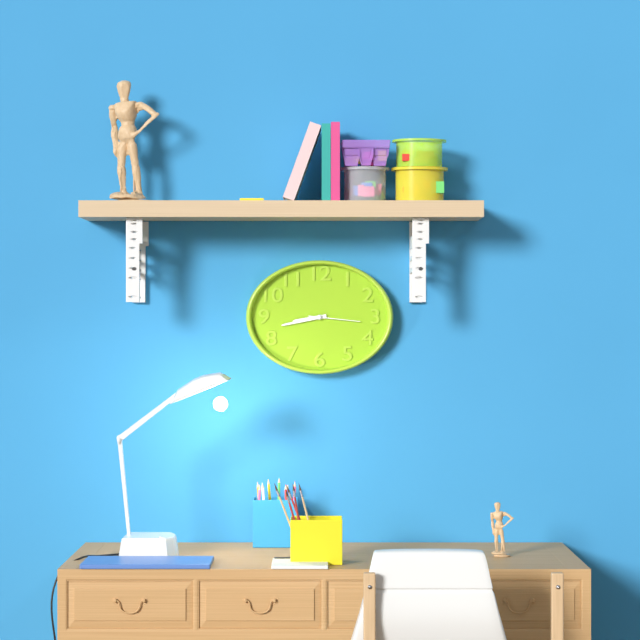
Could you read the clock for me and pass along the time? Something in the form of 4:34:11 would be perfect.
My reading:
8:43:16
